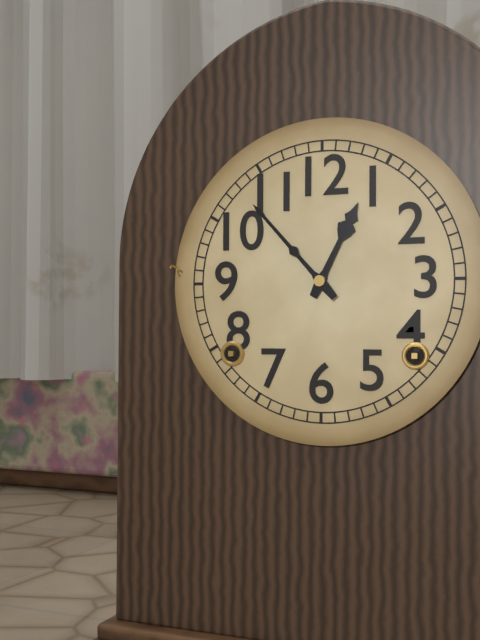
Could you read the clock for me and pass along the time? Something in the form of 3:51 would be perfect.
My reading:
12:53
